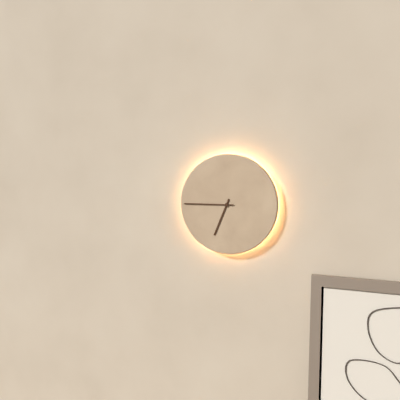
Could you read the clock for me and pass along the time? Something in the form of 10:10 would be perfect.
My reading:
6:45
